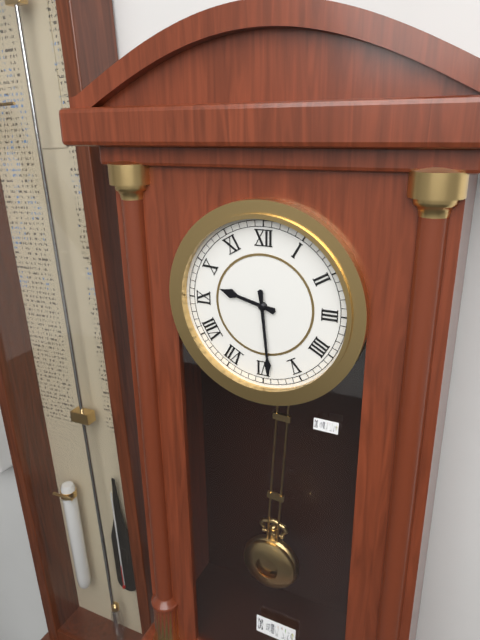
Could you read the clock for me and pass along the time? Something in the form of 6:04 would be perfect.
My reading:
9:29
